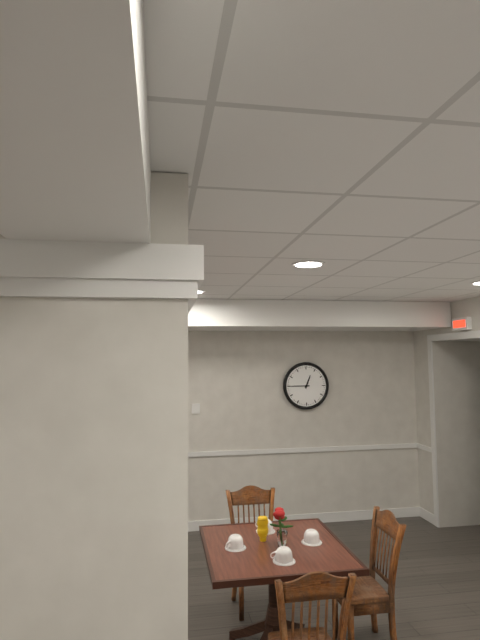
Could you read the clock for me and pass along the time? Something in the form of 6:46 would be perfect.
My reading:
12:45
